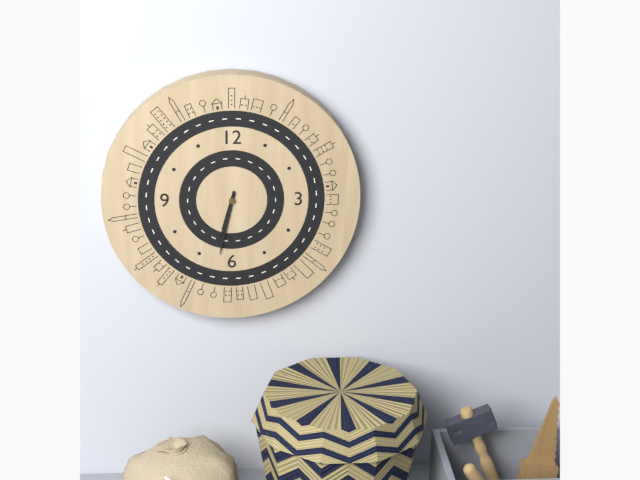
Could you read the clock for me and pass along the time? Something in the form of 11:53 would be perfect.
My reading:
6:32
